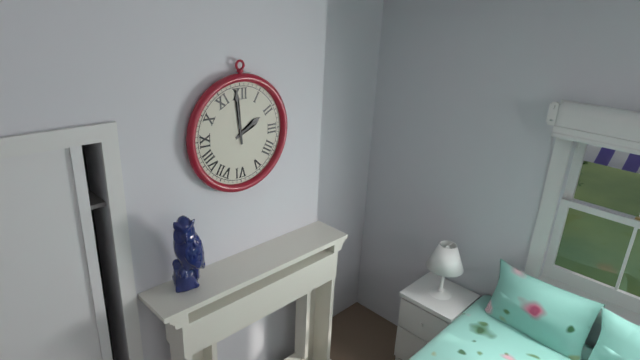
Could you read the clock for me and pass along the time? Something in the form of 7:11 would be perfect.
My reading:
1:59
